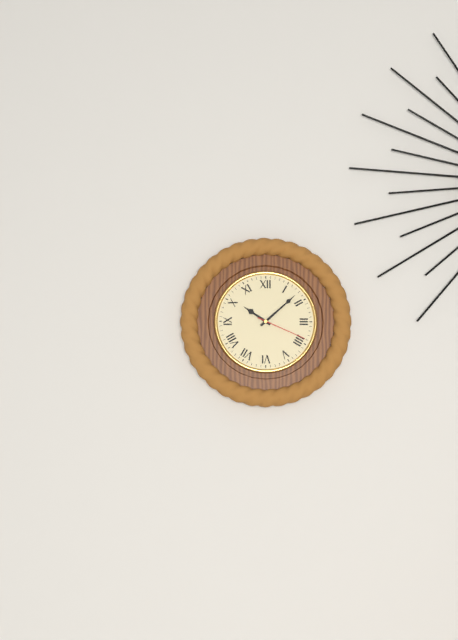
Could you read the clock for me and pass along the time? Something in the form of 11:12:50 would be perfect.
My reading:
10:08:19
